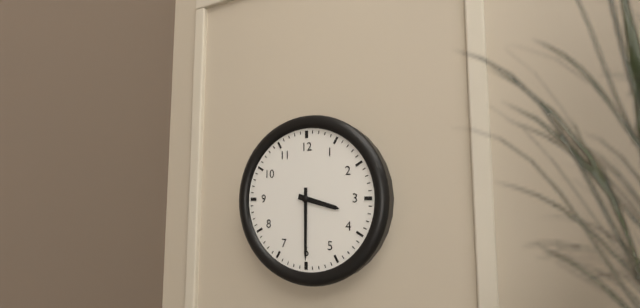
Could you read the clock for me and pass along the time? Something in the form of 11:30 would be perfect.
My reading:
3:30
